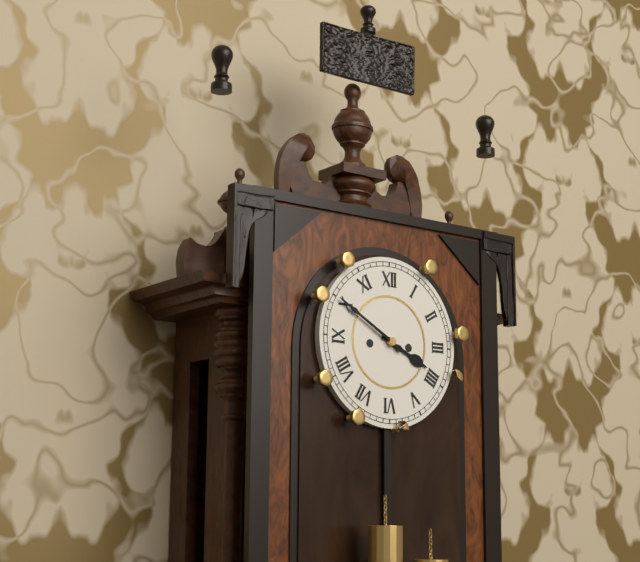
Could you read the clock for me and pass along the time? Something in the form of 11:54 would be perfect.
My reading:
3:50
